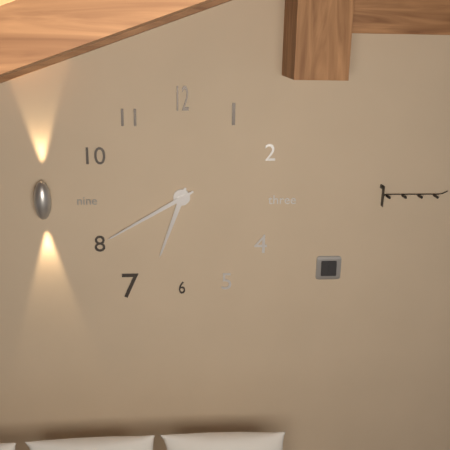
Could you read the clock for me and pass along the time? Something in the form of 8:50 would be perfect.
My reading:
6:40
